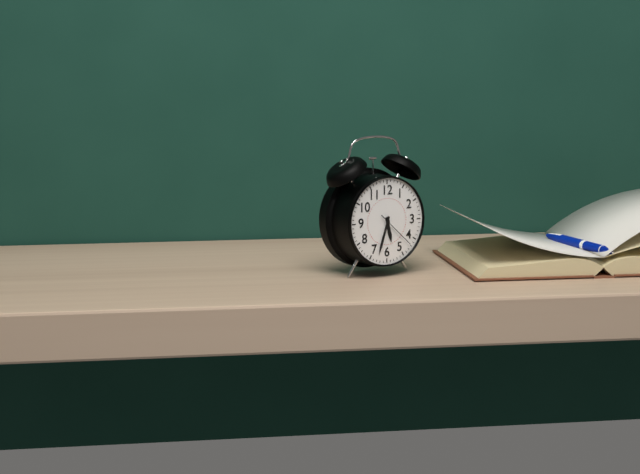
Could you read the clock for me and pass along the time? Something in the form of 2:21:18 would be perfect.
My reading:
5:33:22
